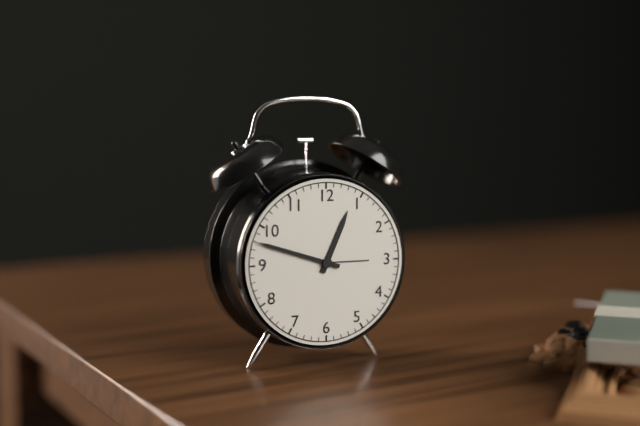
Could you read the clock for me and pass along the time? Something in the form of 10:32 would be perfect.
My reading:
12:48
